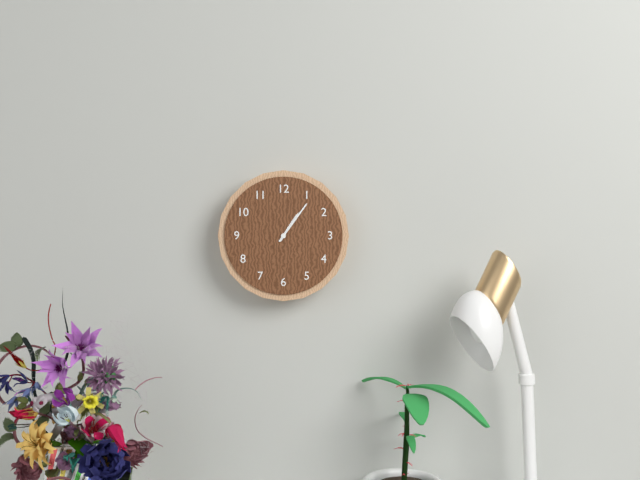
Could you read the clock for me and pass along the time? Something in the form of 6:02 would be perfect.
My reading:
1:06
